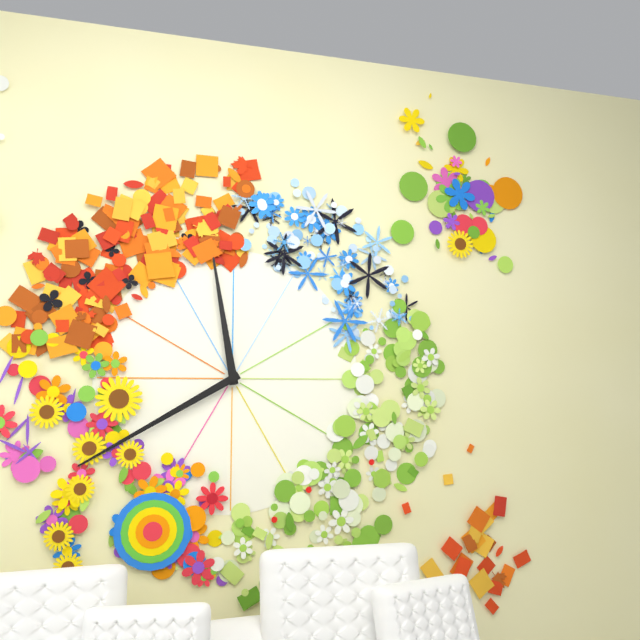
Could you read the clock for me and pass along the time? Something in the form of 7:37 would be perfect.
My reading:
11:40
